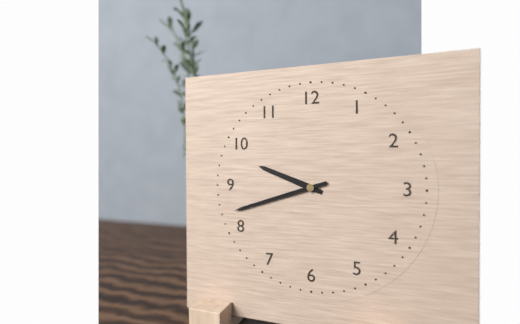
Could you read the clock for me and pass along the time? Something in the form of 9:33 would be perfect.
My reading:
9:42
